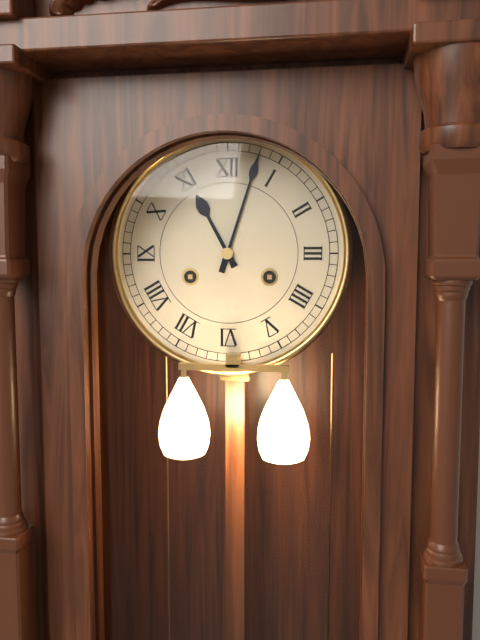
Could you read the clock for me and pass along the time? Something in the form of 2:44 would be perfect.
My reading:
11:03
